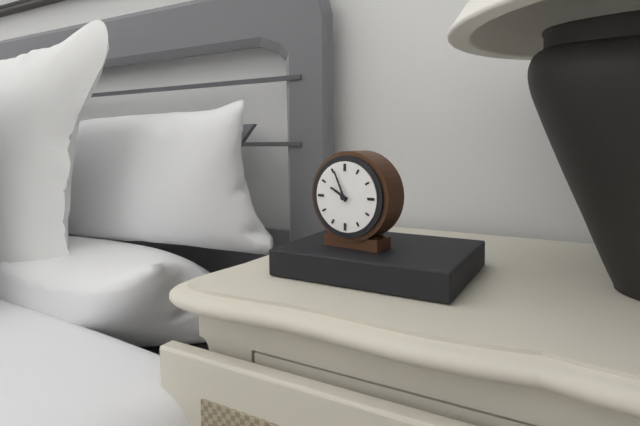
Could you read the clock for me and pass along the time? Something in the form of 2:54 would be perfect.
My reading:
9:56
